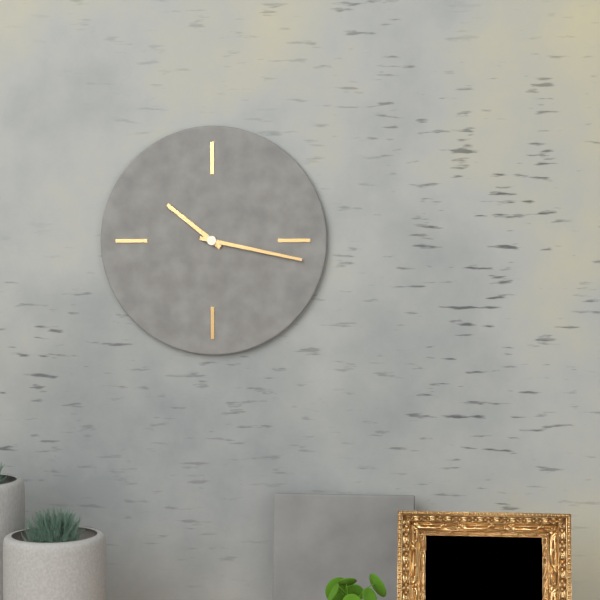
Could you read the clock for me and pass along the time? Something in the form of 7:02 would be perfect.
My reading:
10:17
